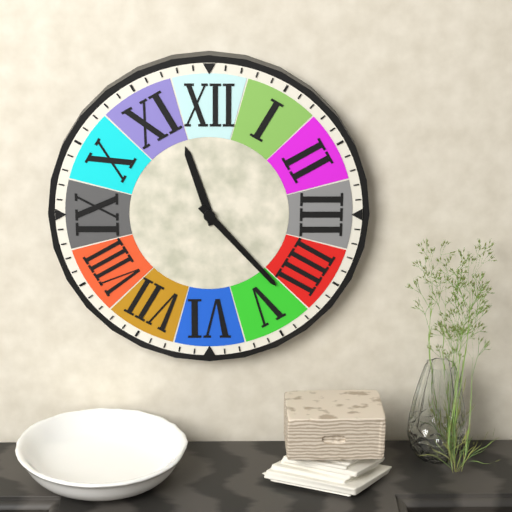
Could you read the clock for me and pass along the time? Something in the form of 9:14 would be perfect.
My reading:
11:23
